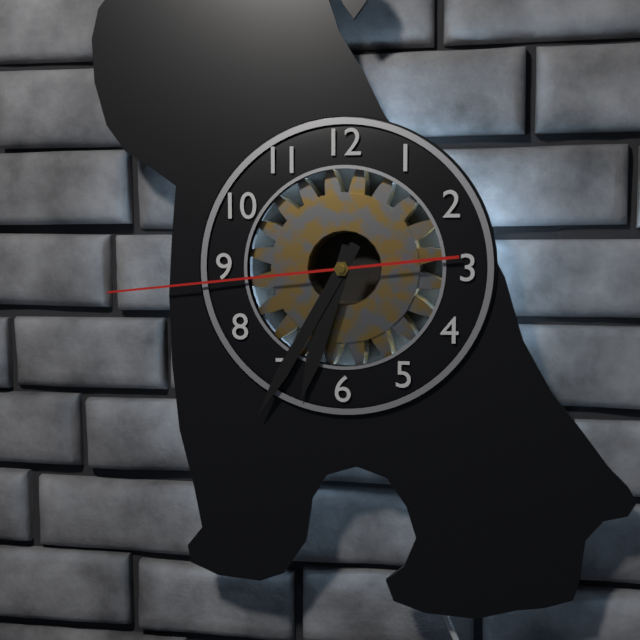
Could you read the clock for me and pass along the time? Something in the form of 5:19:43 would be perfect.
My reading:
6:35:44
